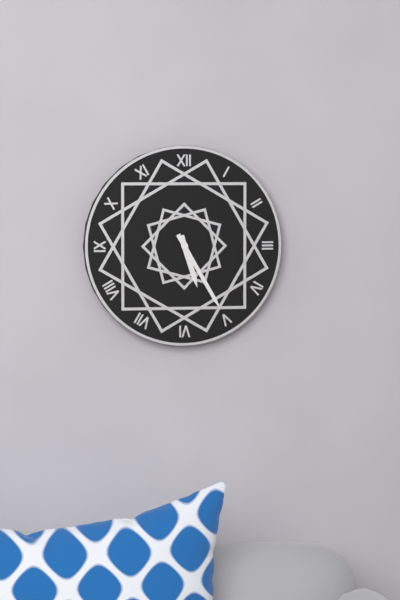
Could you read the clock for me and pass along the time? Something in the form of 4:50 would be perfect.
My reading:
5:25
